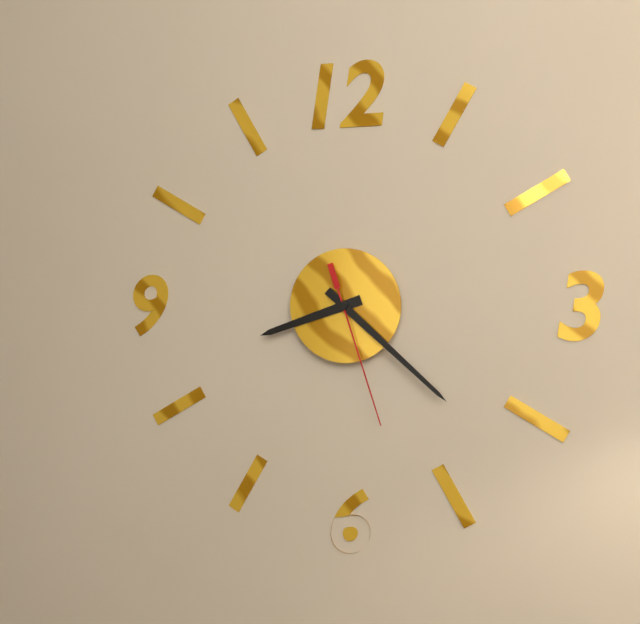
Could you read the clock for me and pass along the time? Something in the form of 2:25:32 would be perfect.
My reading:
8:22:27
